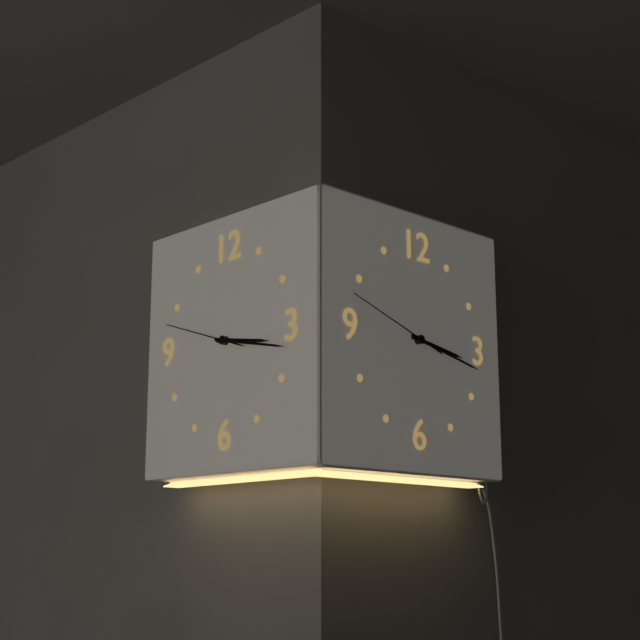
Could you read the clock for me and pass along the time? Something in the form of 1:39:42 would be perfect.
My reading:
3:17:48
